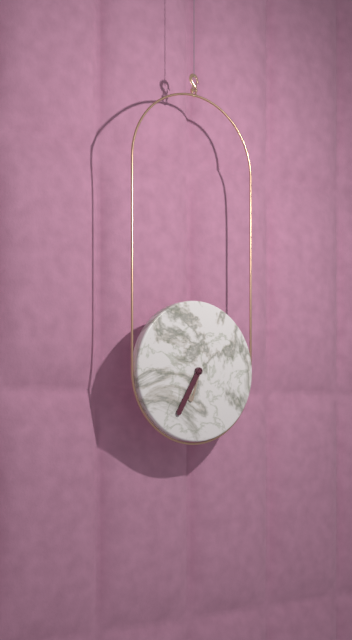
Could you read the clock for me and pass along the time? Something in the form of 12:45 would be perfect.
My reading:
6:35
